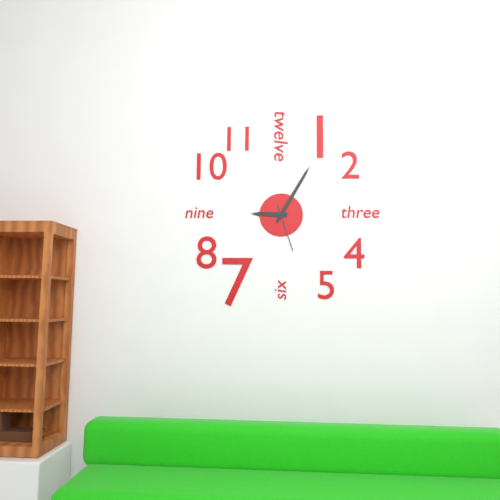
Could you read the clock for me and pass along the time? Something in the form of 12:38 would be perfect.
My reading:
9:05
